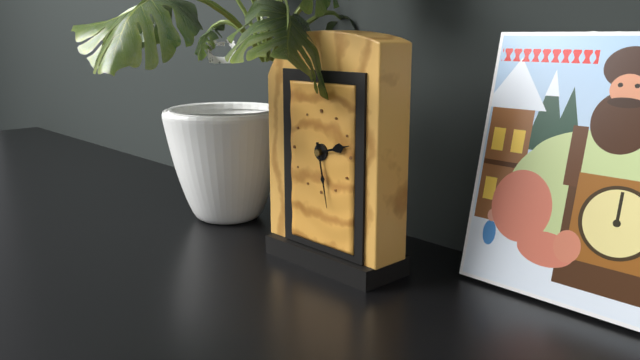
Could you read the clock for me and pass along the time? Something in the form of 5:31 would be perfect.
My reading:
2:28
